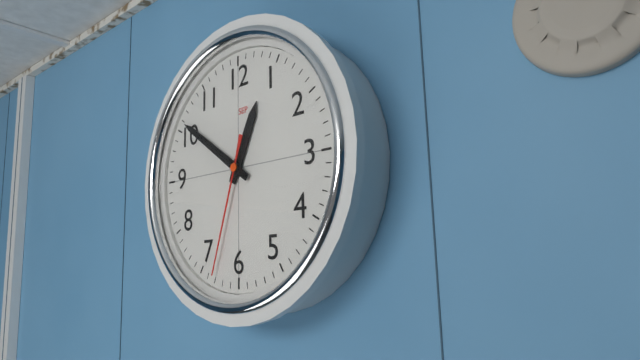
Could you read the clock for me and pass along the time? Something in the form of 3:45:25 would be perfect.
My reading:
12:51:33
